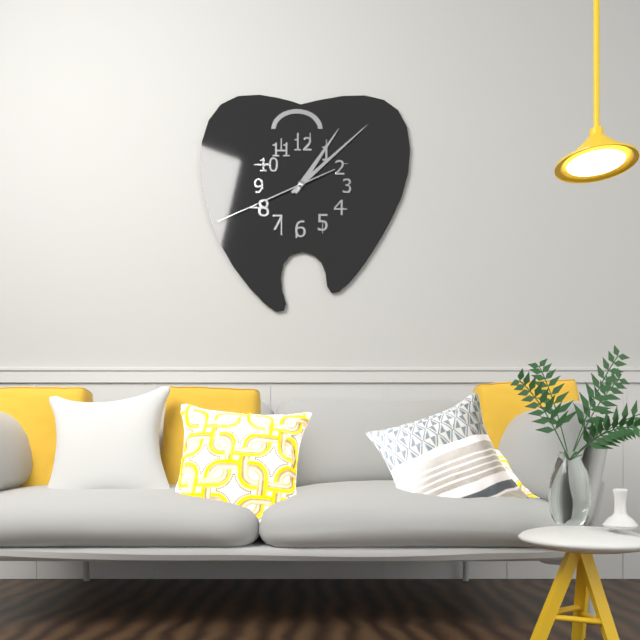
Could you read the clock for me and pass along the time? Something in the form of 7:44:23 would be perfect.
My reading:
1:08:41
